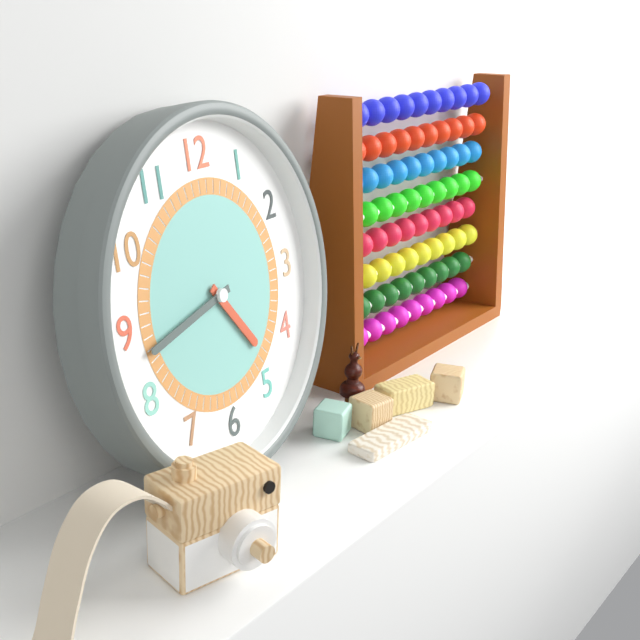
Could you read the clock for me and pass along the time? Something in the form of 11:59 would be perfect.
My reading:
4:43
